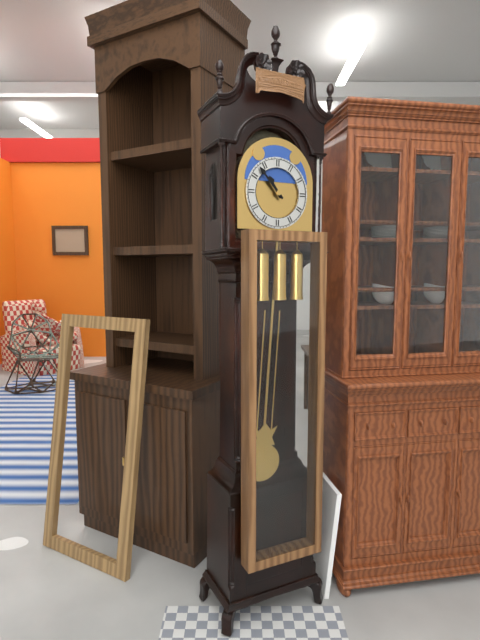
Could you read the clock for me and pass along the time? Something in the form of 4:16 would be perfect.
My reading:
10:53
